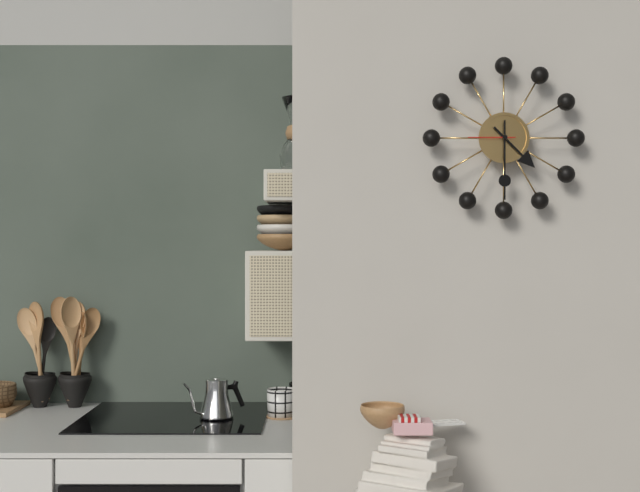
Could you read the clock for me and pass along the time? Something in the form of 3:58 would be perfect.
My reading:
4:30
